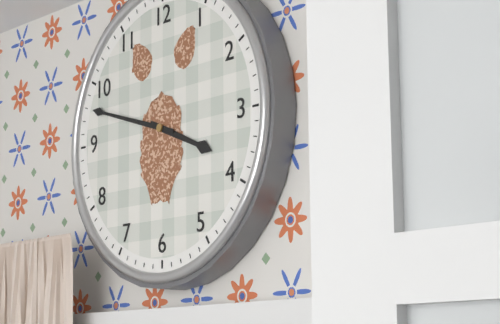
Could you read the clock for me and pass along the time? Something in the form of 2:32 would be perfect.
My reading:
3:48
